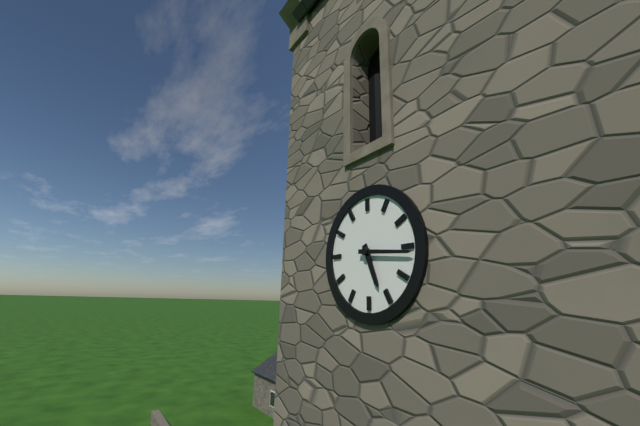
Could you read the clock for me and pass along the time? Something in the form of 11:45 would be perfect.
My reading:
5:16
